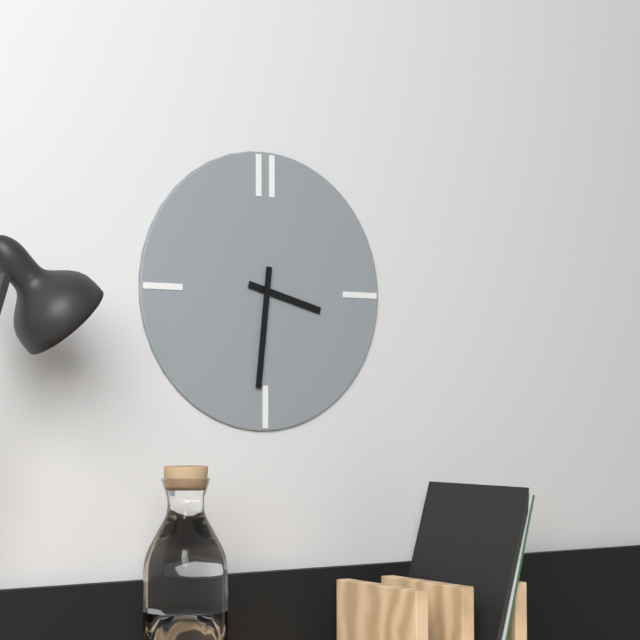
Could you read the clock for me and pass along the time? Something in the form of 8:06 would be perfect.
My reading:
3:31
